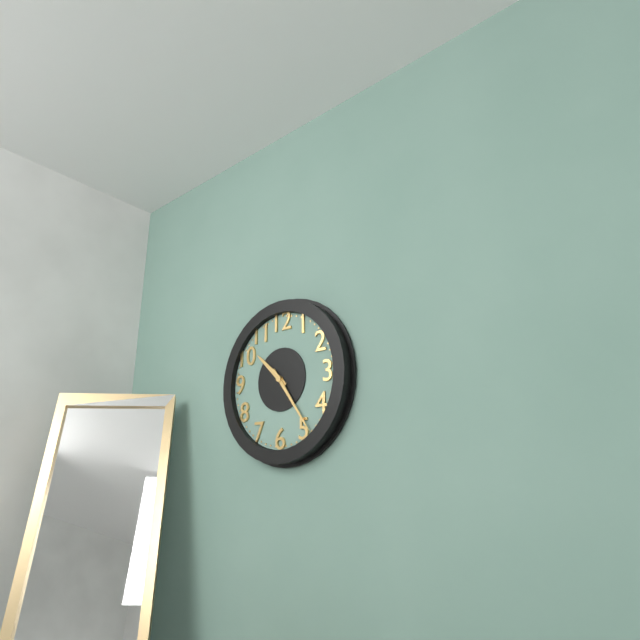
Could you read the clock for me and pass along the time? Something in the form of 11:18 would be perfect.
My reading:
10:24
